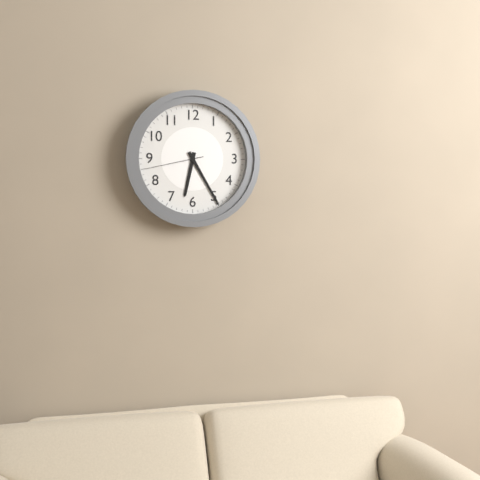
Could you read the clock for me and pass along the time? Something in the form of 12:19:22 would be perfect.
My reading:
6:25:43
